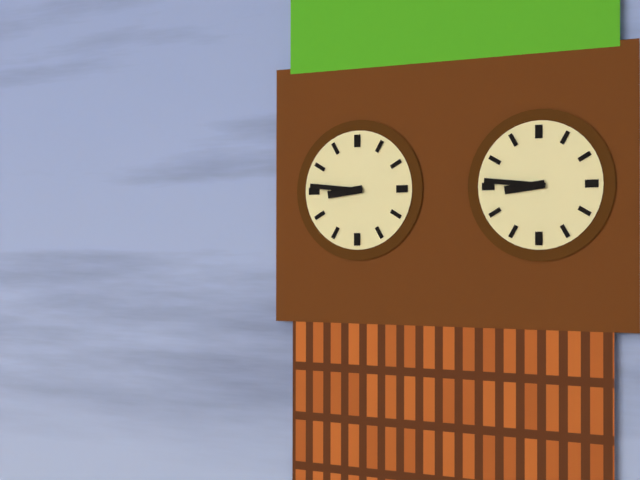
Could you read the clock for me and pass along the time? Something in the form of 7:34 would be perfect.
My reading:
8:46
